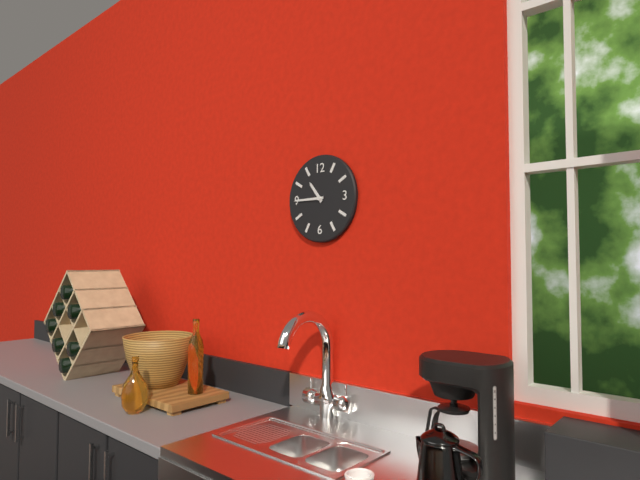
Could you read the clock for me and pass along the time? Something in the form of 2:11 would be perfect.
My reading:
10:45
